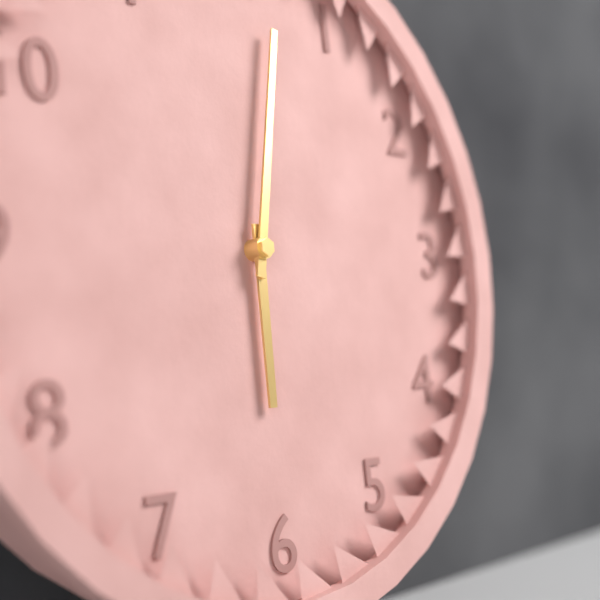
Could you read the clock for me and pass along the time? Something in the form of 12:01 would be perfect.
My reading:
6:02
